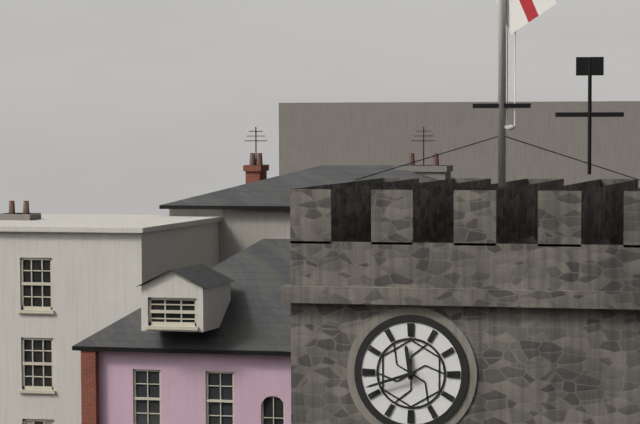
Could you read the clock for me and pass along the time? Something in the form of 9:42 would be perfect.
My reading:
11:42
